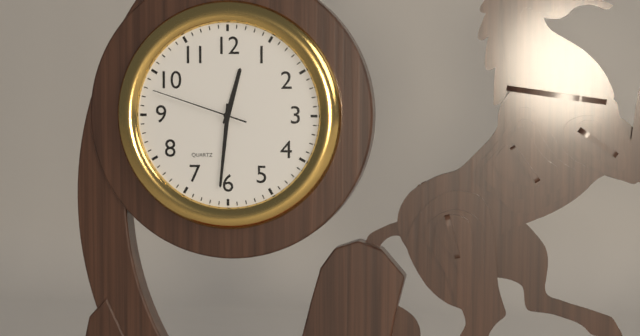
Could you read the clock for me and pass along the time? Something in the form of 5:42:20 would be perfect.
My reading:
12:31:48
